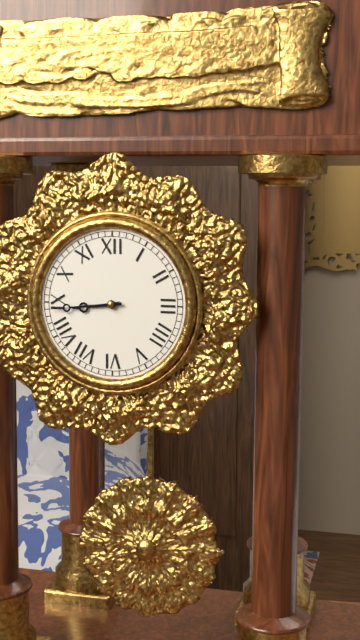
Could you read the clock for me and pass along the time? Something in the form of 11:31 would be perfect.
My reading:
8:44
